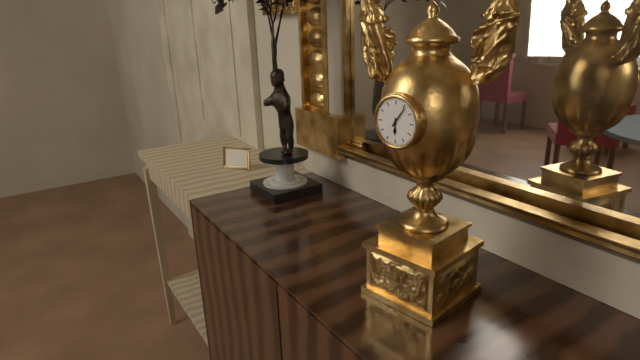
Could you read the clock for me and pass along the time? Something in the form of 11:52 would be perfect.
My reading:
6:06
